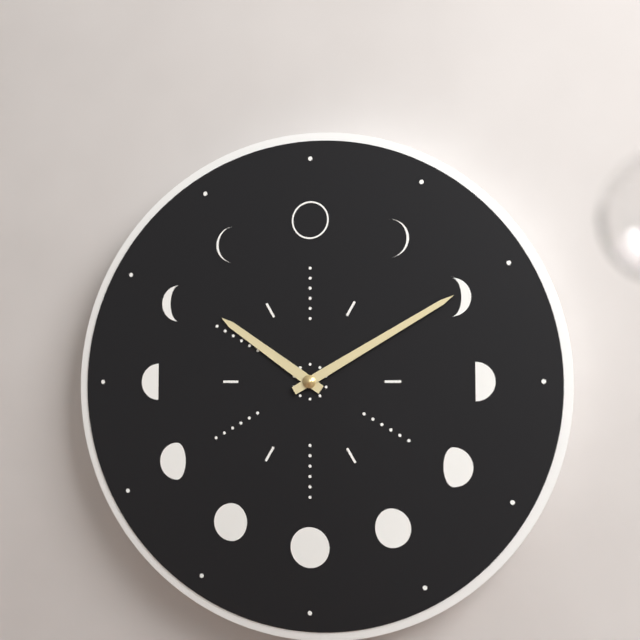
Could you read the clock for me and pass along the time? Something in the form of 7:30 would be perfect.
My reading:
10:10
